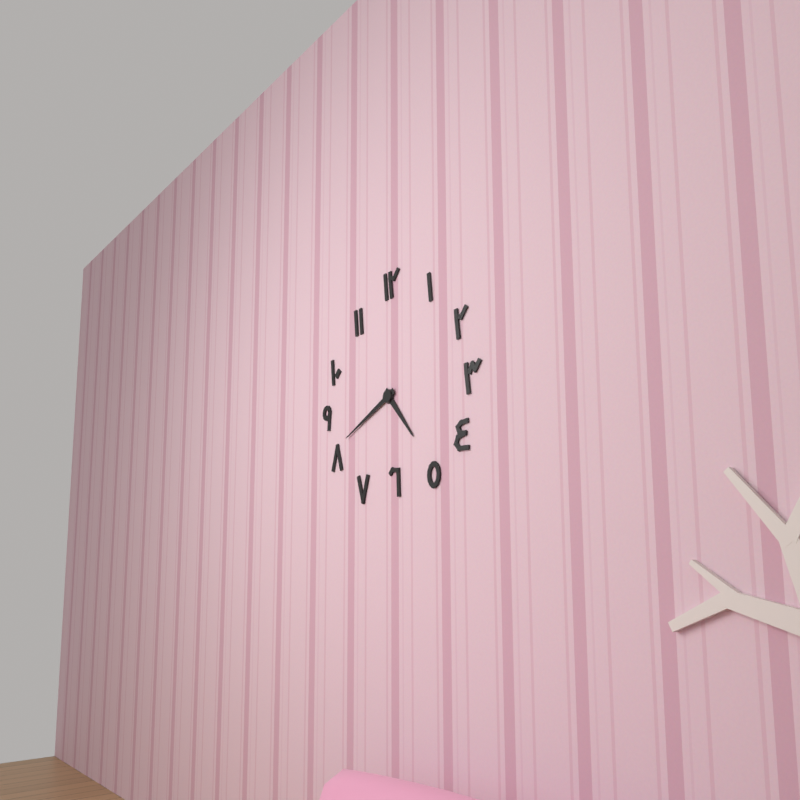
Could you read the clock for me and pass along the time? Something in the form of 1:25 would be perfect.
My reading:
4:41
